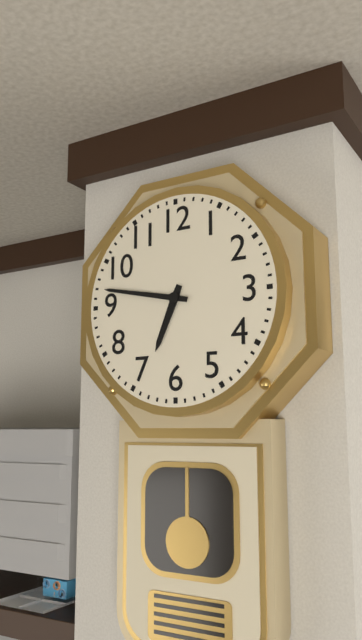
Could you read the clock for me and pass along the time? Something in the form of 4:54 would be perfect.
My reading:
6:47
